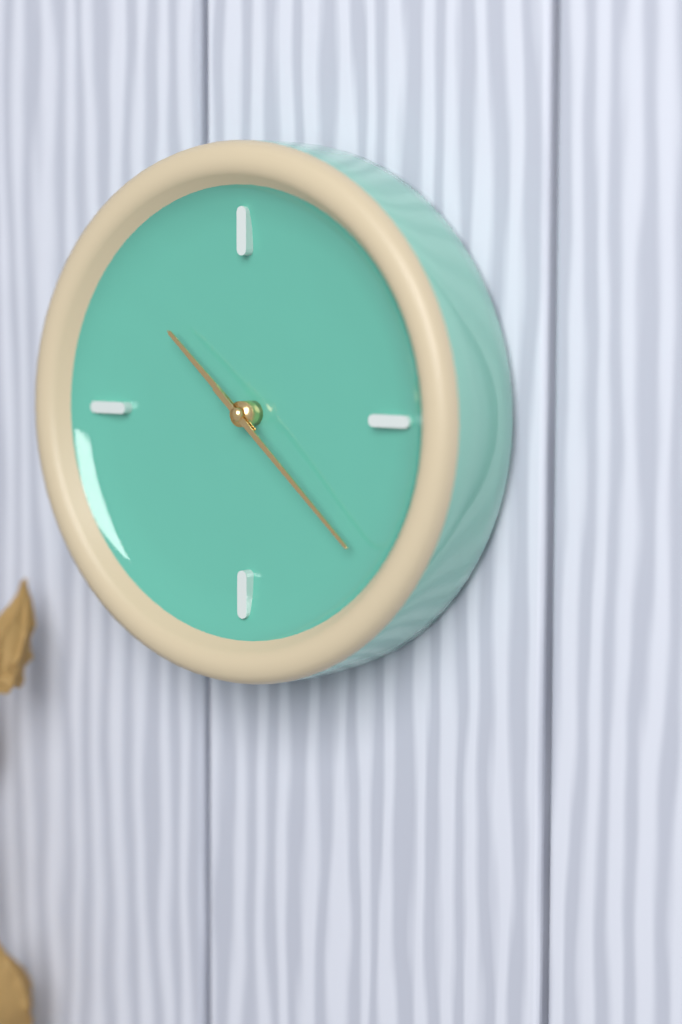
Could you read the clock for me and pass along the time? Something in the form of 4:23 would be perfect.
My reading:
10:22
